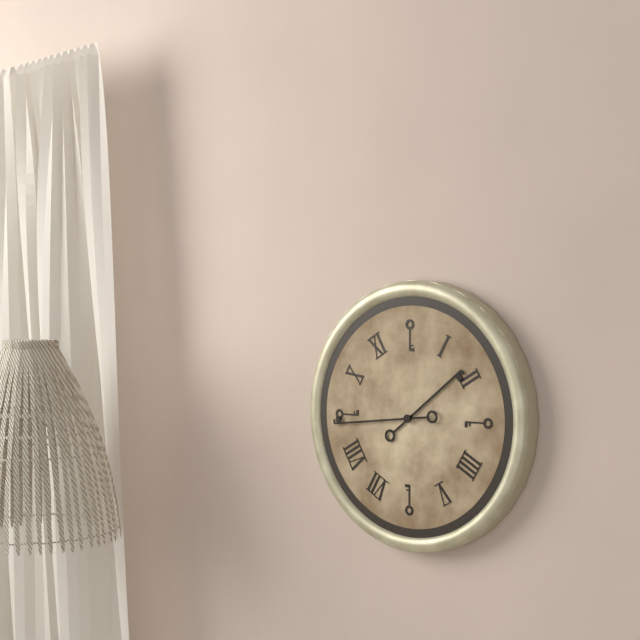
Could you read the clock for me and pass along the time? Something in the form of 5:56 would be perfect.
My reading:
1:44
